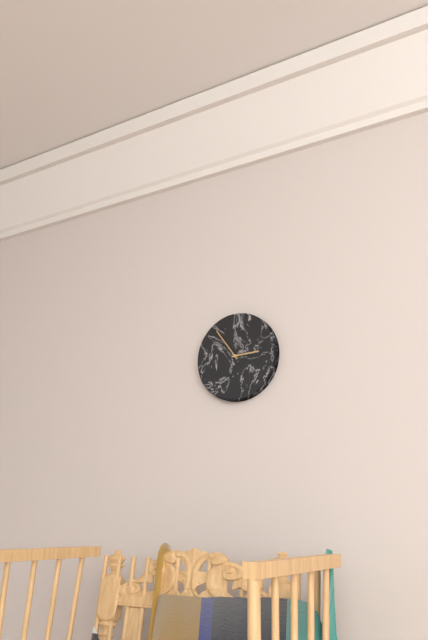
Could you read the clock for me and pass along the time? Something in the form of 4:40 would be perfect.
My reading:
2:54
